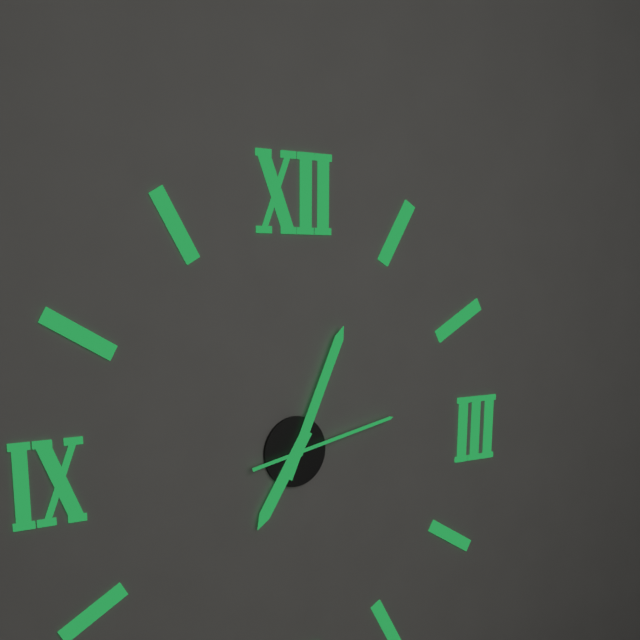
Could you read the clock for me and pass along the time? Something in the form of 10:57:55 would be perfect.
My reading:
7:04:13
